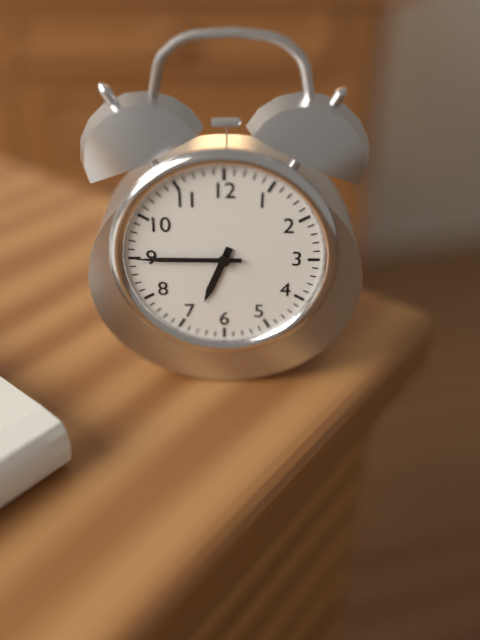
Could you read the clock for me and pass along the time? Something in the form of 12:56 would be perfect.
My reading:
6:45
